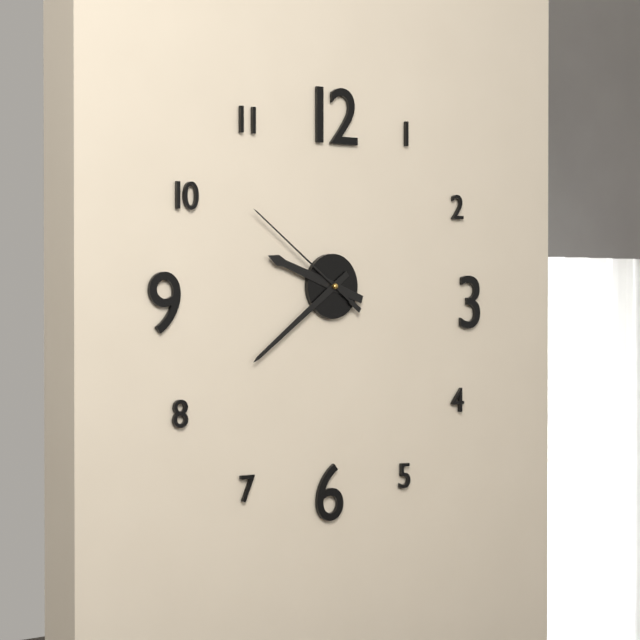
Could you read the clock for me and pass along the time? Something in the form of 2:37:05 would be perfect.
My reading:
9:39:51
